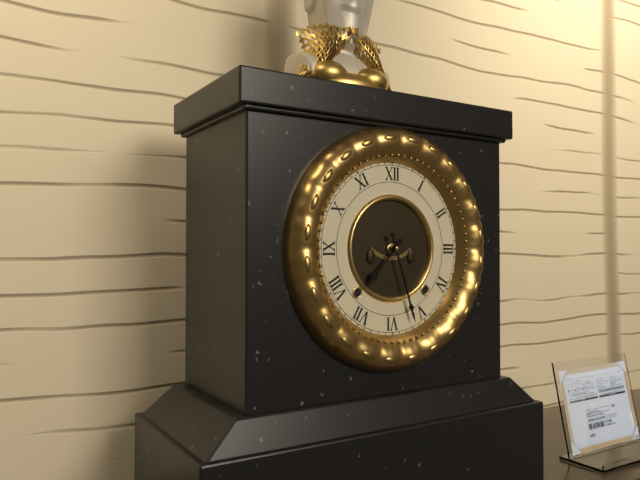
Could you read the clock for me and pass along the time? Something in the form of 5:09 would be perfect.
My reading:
7:27
